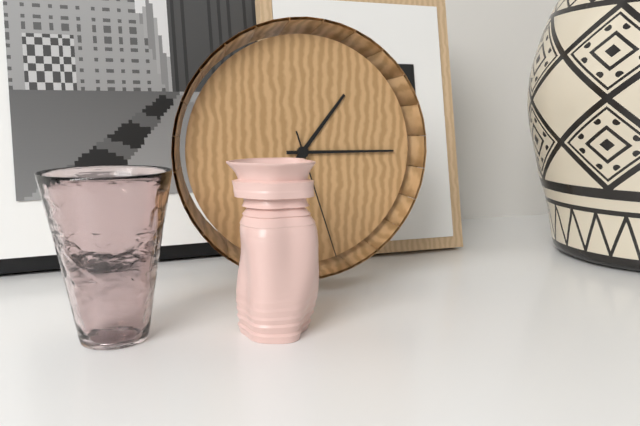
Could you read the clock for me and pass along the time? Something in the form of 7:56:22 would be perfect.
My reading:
1:15:27
